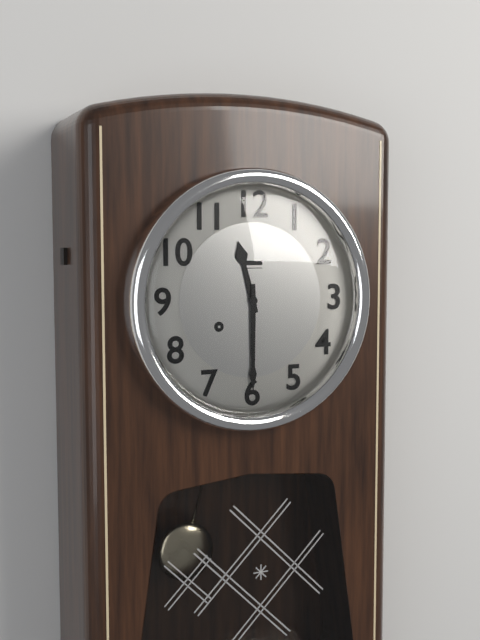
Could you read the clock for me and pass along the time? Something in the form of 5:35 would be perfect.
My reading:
11:30
